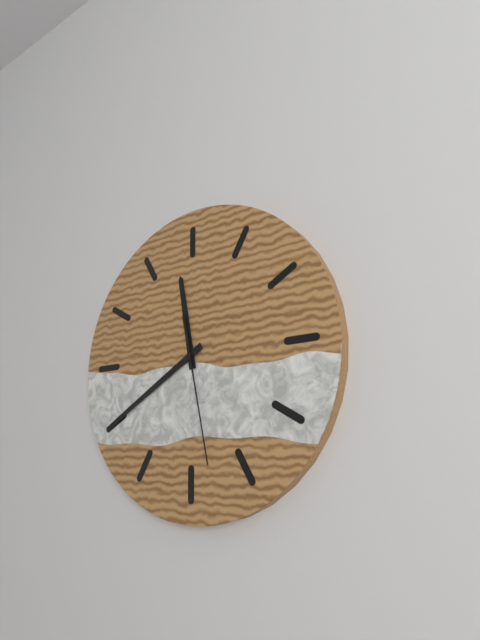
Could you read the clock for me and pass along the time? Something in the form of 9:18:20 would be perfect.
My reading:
11:40:28
